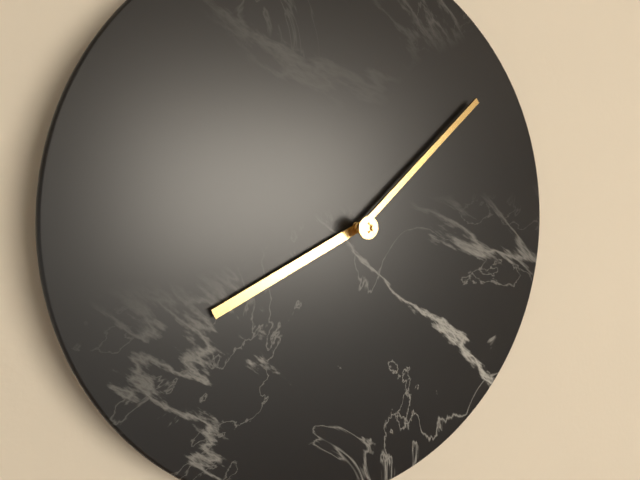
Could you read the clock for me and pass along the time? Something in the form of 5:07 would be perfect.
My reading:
8:08
